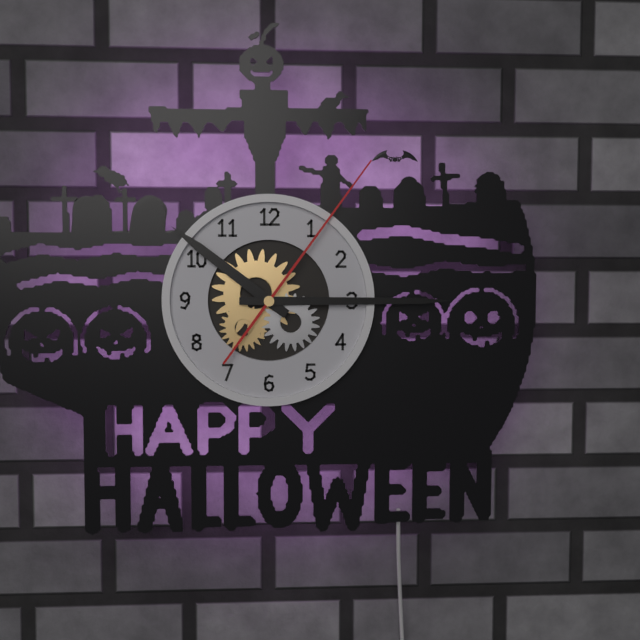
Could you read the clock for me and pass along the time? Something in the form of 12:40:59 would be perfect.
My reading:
10:15:06
